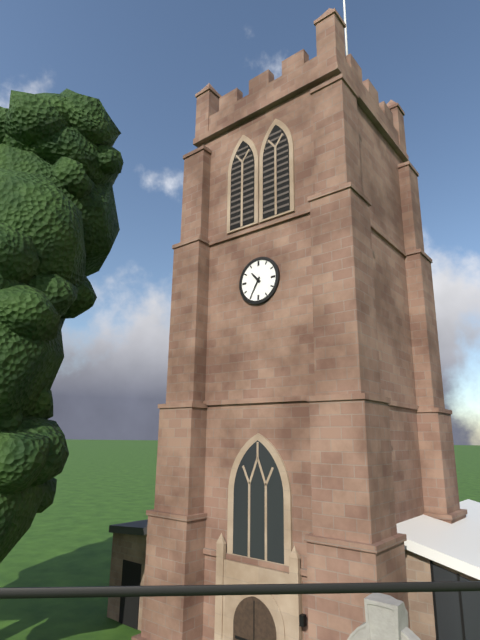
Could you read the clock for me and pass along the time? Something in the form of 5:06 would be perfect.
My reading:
10:35
